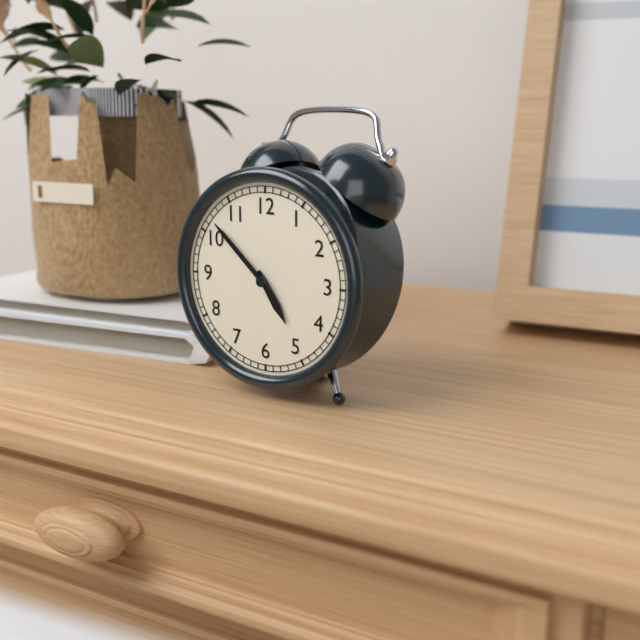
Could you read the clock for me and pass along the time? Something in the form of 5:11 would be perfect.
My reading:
4:52
